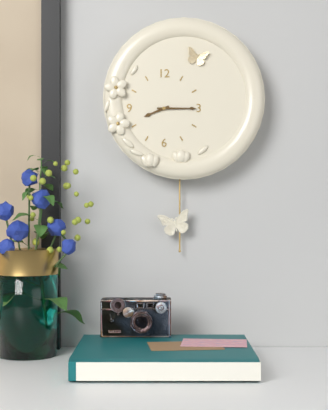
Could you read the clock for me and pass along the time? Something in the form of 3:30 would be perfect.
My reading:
8:15
